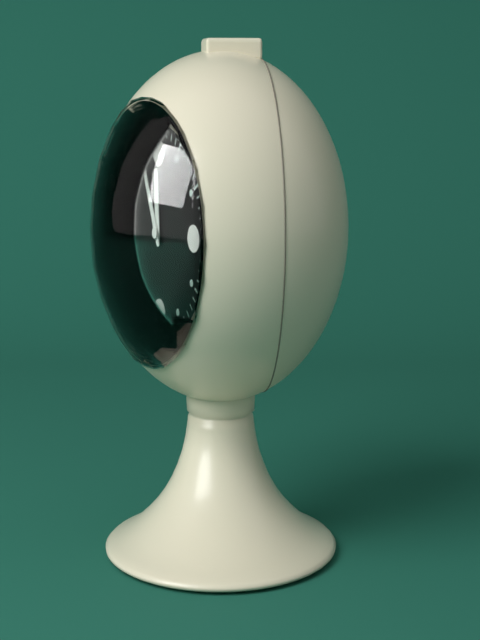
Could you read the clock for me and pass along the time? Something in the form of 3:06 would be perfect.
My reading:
11:56
